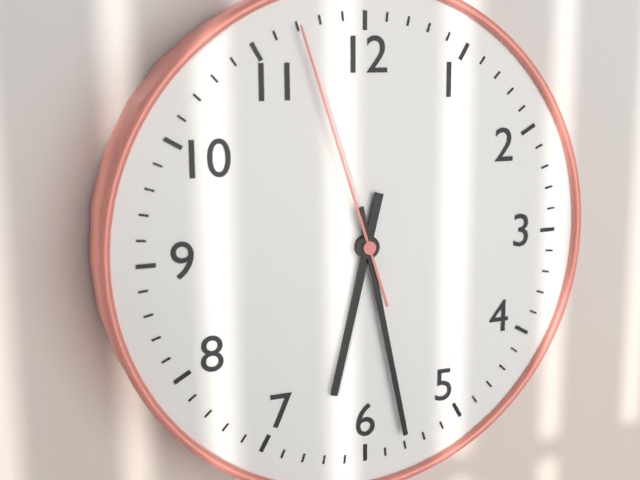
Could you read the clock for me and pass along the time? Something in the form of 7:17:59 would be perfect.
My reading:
6:28:57
